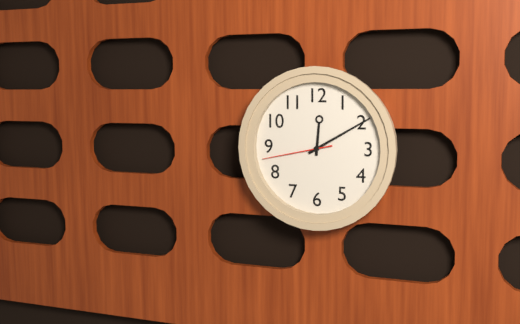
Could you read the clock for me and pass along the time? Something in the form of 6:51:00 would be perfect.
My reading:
12:10:43
